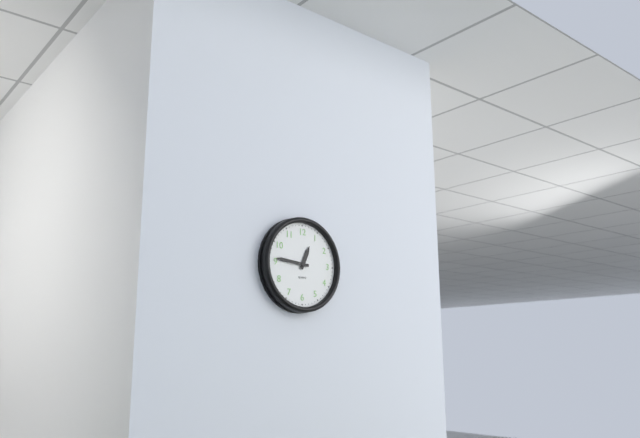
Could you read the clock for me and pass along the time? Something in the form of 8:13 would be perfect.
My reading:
12:46
